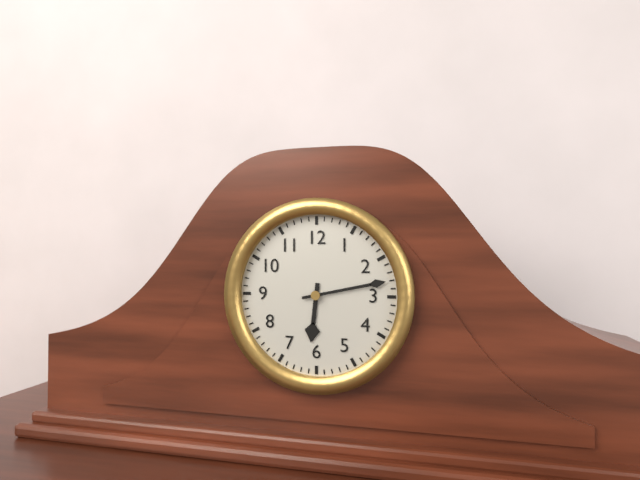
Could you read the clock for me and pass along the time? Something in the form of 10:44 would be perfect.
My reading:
6:13
